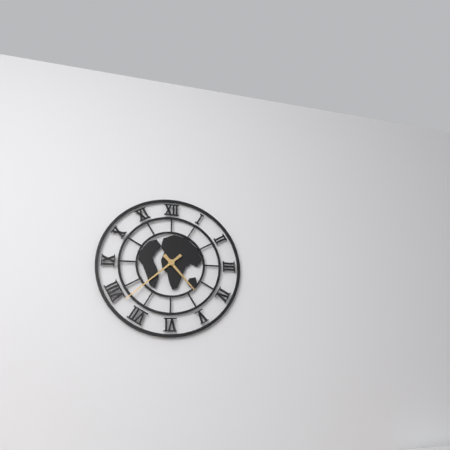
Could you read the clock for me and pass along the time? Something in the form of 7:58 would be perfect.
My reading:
4:38
